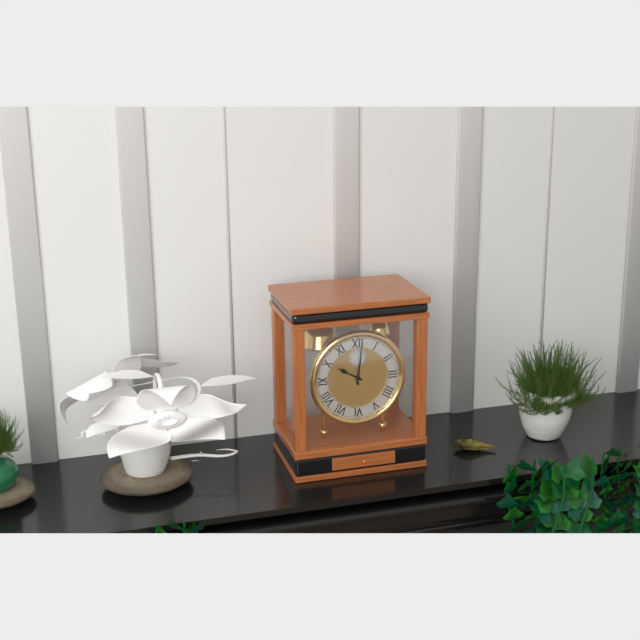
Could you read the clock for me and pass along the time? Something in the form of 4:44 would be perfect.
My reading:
10:01
